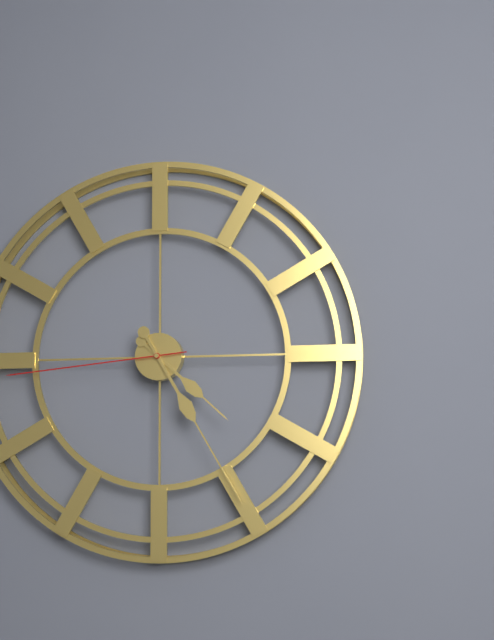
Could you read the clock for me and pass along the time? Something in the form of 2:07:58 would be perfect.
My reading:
4:25:44
